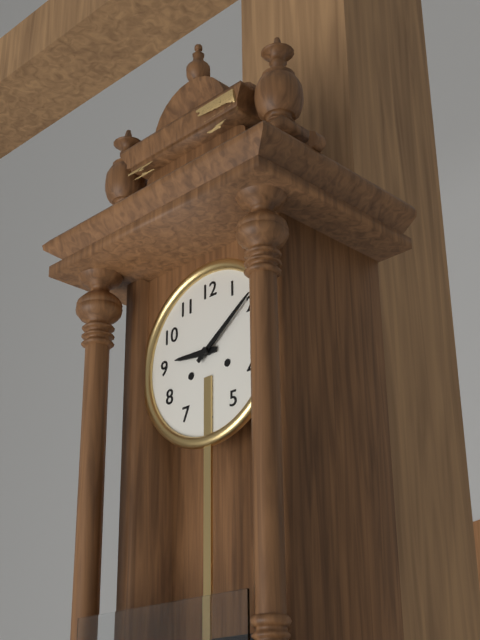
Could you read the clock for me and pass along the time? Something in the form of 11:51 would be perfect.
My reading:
9:09
